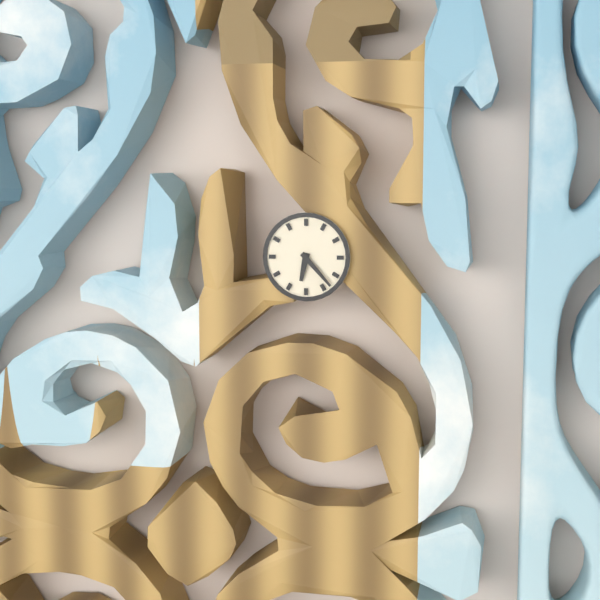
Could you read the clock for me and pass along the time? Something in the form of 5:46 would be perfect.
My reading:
6:23
